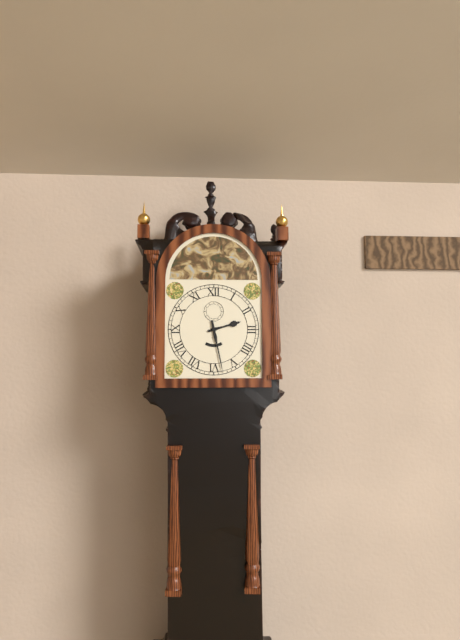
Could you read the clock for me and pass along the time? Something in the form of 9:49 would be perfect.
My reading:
2:28
